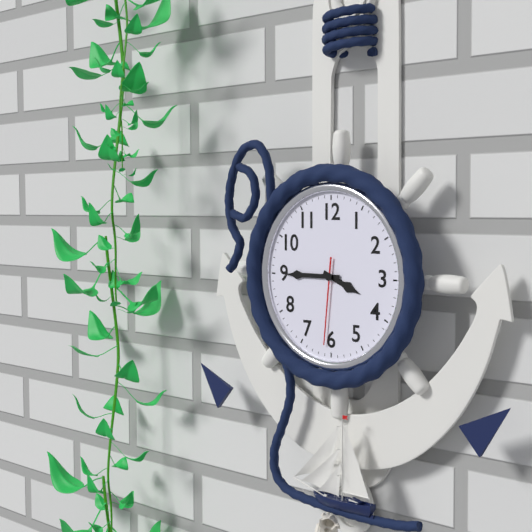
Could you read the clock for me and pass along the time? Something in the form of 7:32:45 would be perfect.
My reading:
3:45:31
